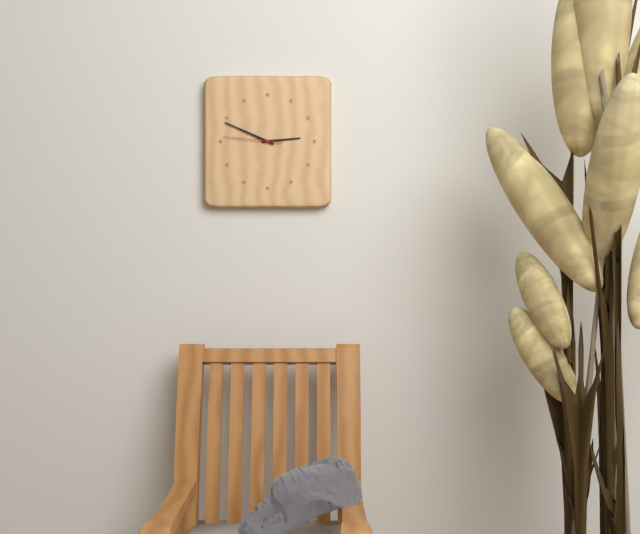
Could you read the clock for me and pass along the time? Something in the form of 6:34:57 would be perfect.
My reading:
2:49:46
